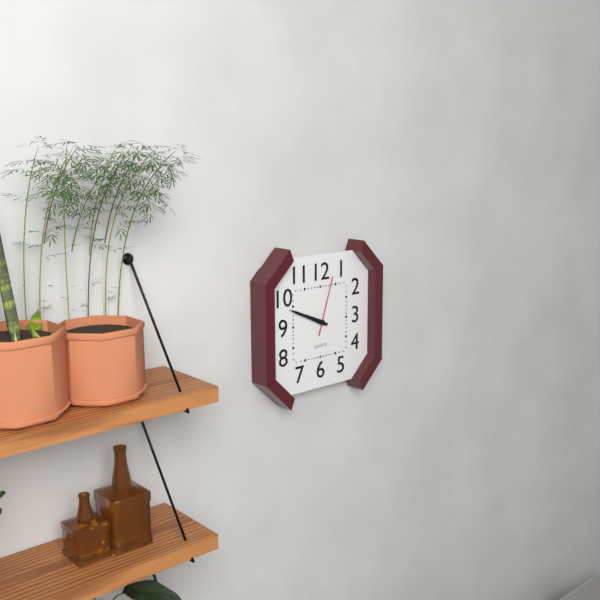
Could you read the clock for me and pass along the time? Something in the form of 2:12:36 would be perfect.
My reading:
9:49:03
